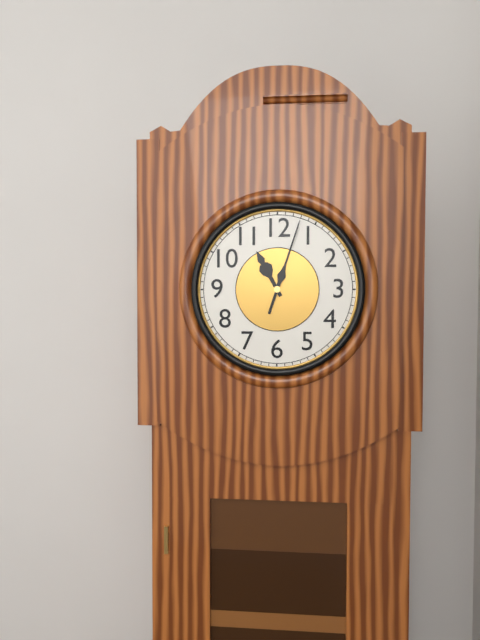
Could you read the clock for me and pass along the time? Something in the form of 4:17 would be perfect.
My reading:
11:03
